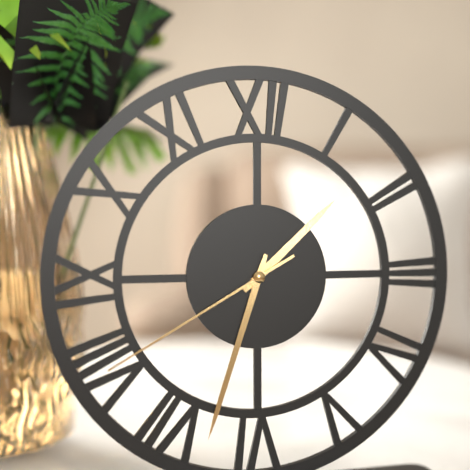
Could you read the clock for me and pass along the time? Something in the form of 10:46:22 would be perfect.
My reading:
1:33:40
